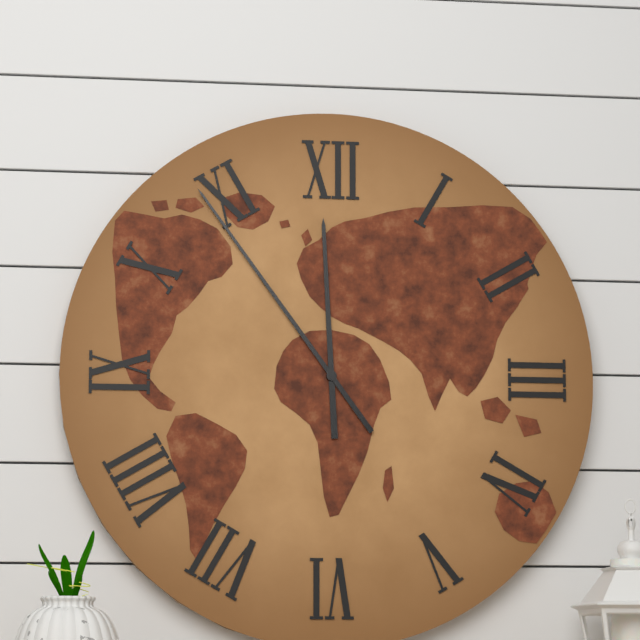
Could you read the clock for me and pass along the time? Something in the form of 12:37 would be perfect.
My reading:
11:54
